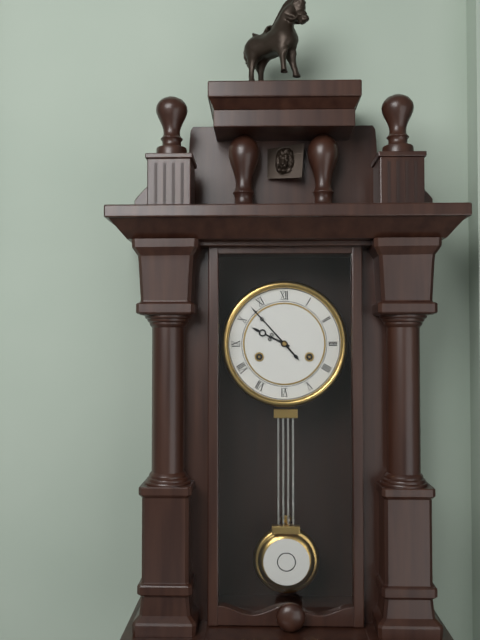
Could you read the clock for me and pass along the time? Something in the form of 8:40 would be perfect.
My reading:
9:53
